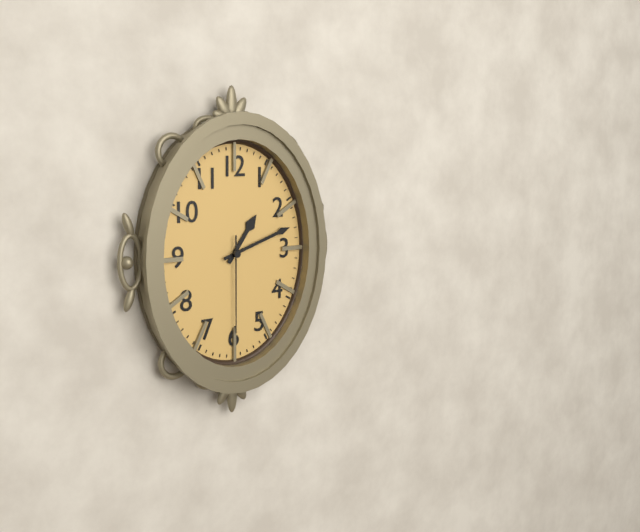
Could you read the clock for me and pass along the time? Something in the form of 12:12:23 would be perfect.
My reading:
1:12:30
